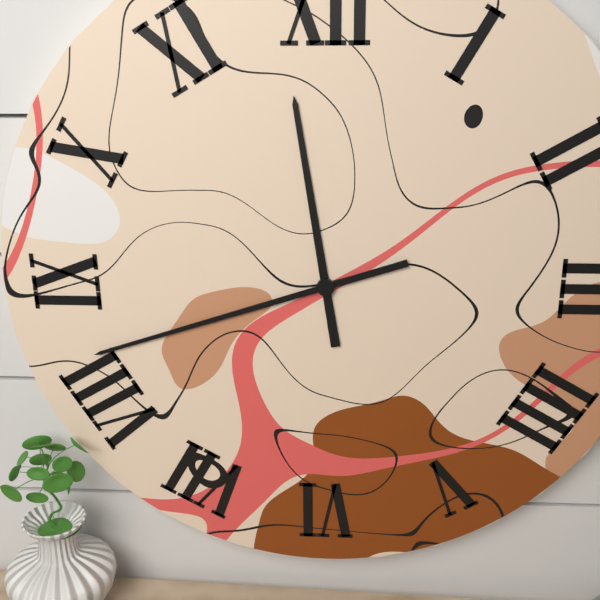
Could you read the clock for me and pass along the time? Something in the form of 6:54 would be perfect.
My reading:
11:42
